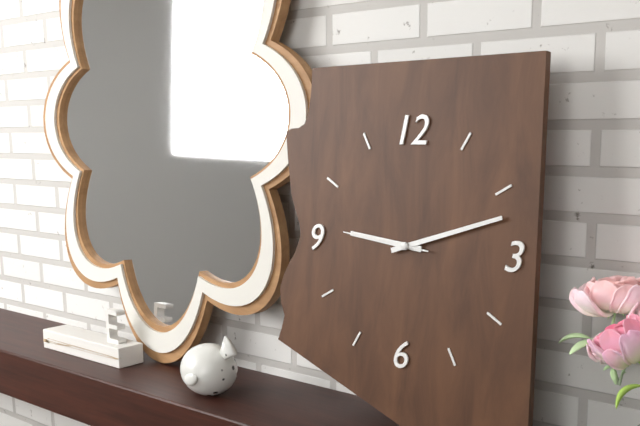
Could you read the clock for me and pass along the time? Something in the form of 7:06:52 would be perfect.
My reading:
9:12:46
